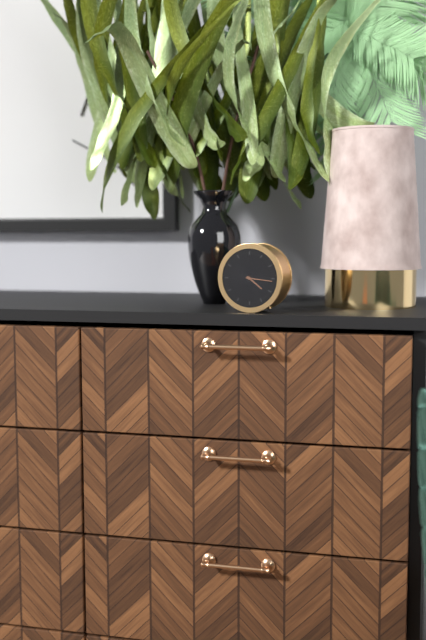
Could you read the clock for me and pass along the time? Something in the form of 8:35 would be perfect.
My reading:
4:16
